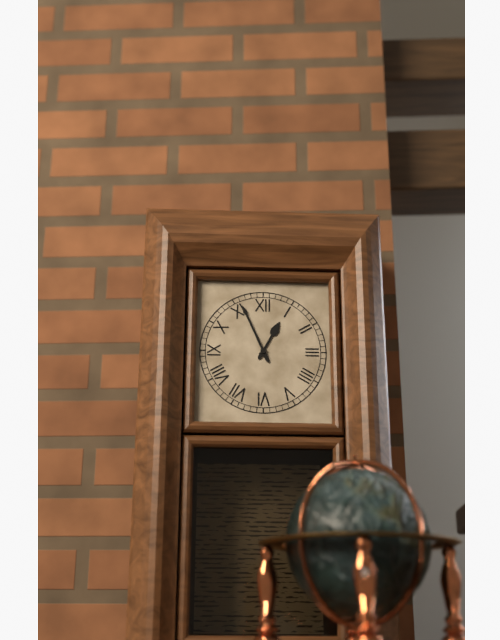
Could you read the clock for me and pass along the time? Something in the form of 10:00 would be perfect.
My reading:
12:56
